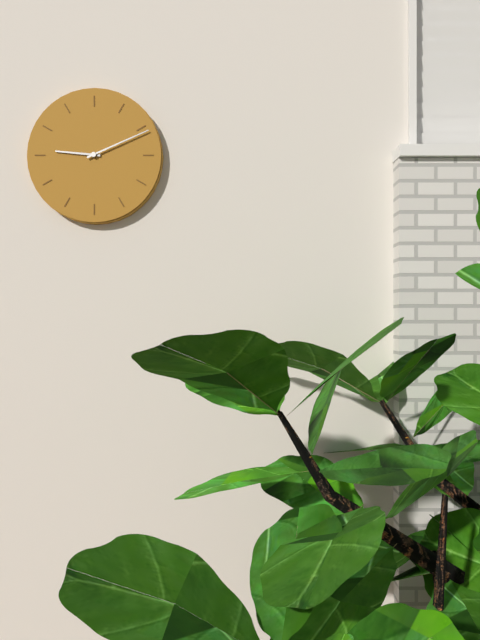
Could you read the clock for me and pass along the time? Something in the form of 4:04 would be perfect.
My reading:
9:11
